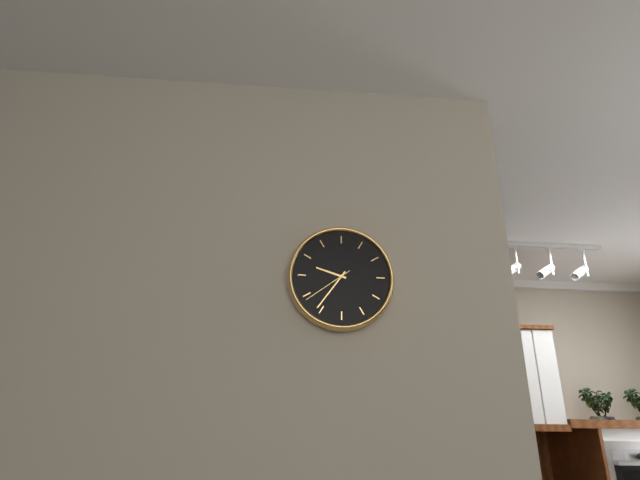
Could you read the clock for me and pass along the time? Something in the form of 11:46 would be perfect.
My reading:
9:36
